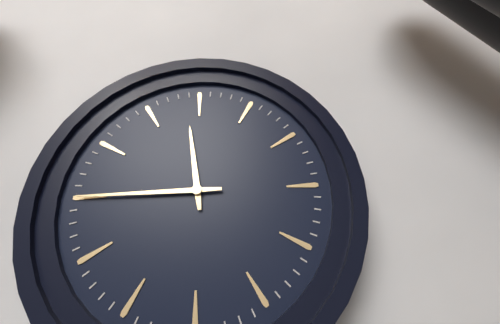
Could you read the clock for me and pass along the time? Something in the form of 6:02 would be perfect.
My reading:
11:45
